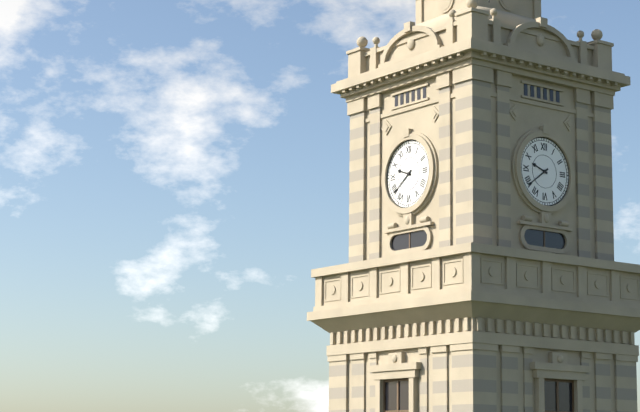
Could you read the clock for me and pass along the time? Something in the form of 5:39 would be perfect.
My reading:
9:39
